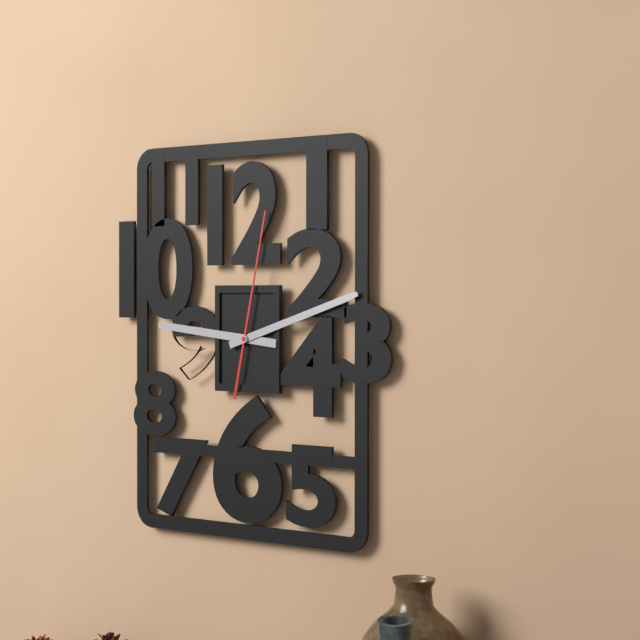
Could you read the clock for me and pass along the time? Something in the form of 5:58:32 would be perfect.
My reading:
9:12:02
